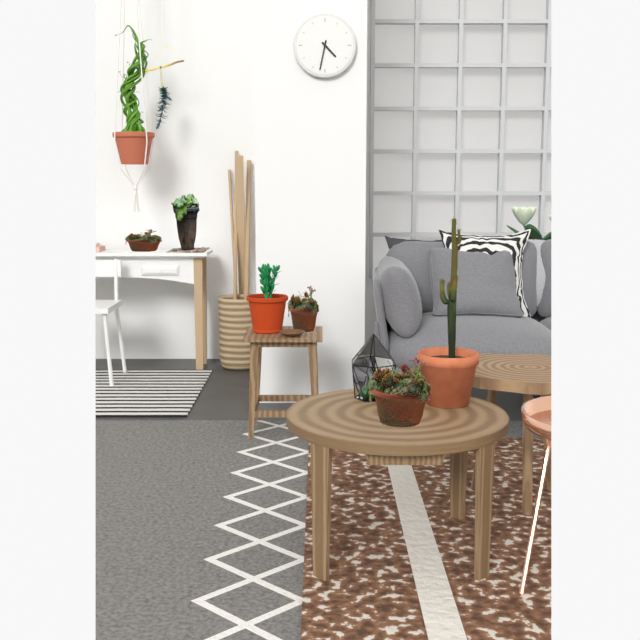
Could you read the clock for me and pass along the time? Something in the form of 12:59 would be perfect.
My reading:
4:32
